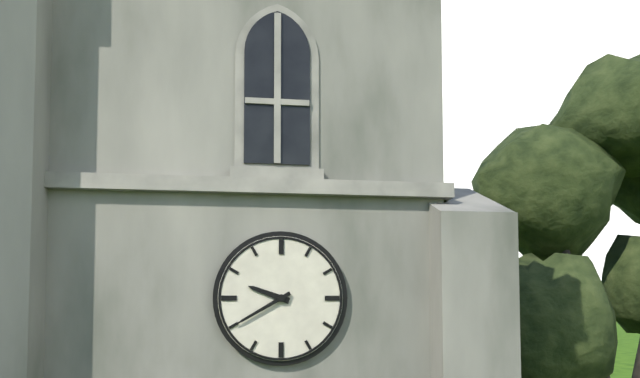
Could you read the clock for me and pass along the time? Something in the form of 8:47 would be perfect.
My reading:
9:40
